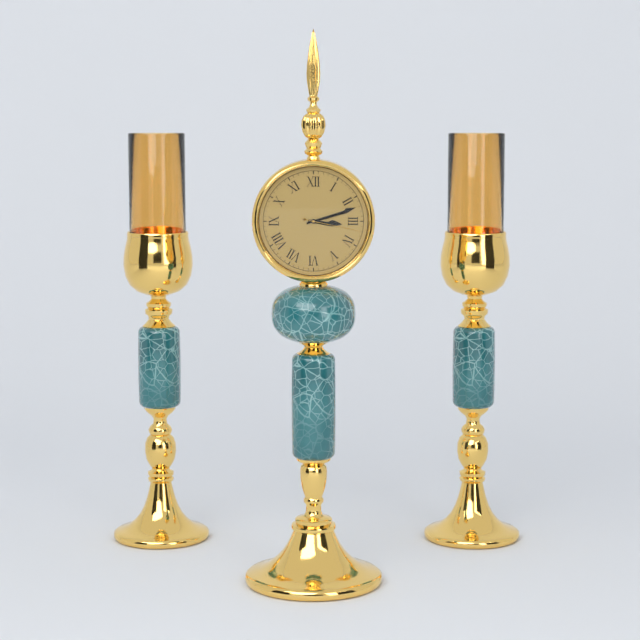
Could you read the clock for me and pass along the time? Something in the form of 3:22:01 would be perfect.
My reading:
3:12:17
